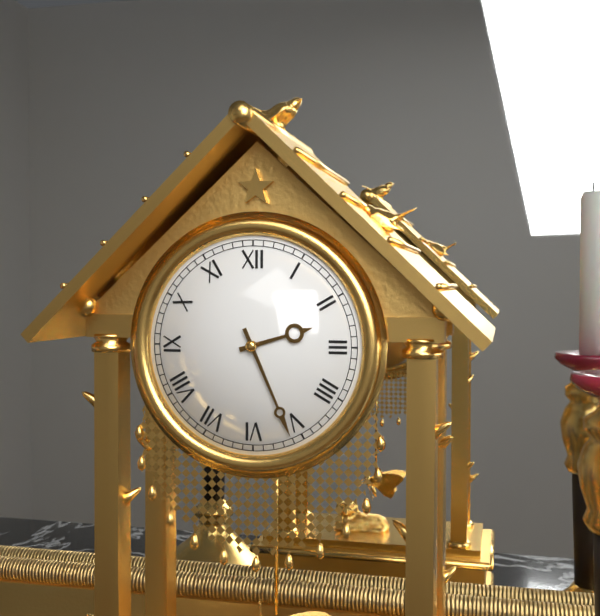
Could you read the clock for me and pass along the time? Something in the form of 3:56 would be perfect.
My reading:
2:26
